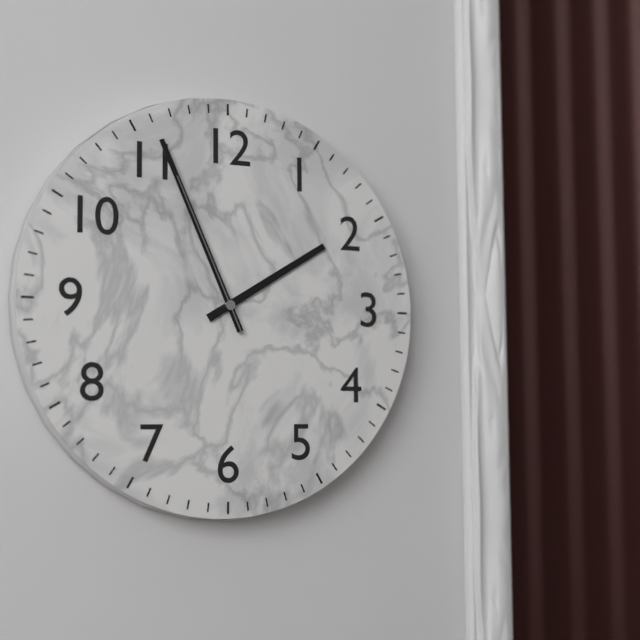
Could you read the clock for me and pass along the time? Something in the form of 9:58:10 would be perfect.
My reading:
1:56:56
